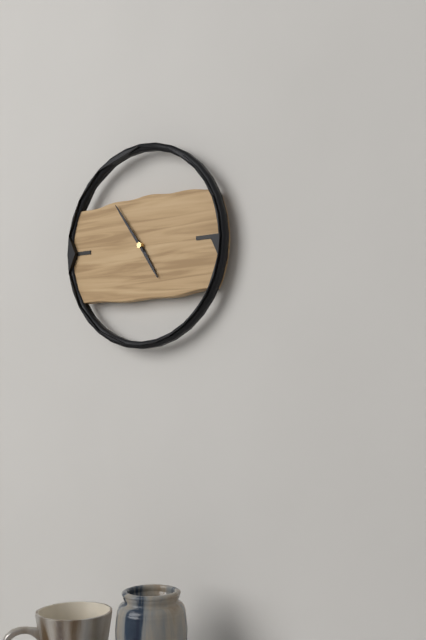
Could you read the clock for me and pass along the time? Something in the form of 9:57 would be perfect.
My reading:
4:54
